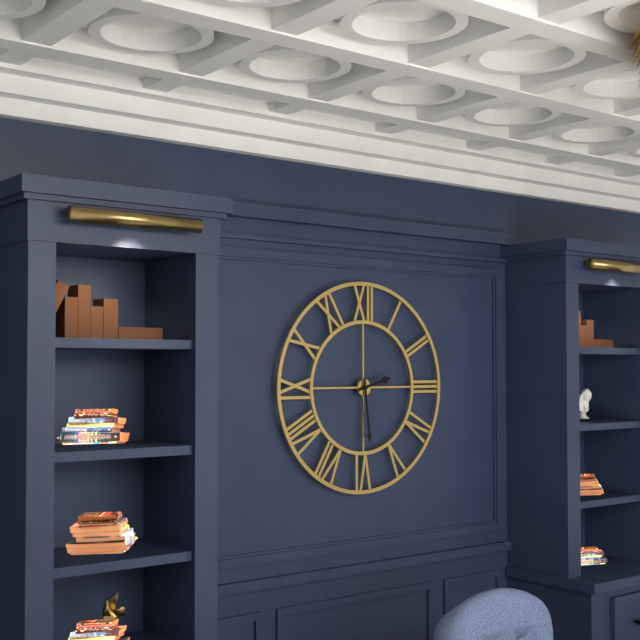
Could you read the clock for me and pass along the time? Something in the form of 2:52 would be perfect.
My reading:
2:29
